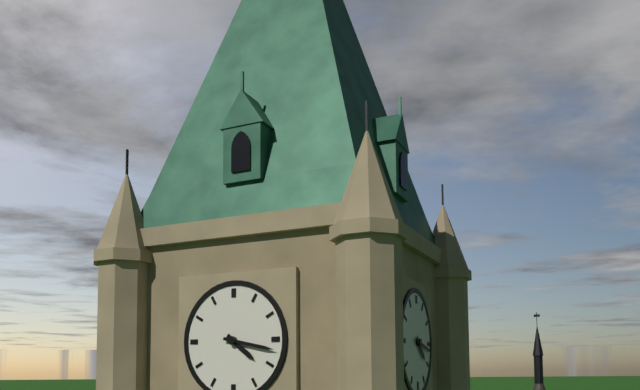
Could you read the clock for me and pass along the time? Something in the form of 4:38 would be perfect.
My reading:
4:17
